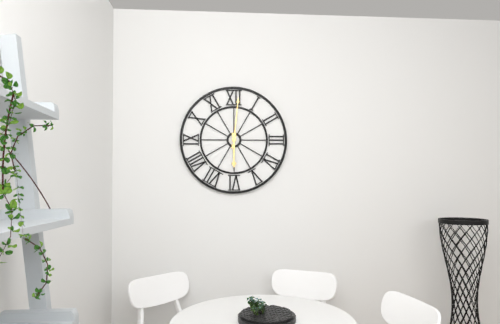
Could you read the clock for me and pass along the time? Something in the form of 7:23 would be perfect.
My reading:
6:01
